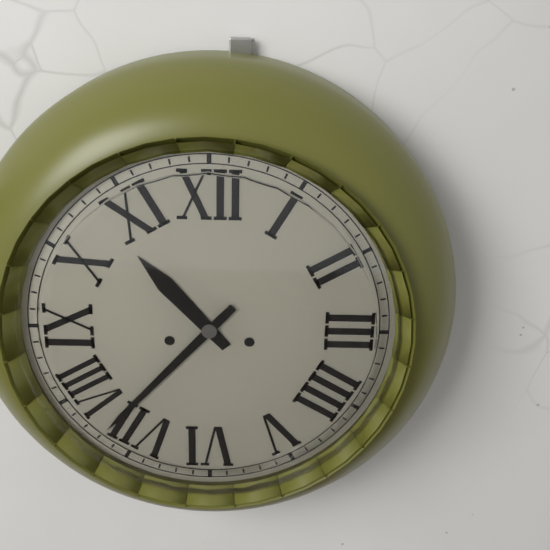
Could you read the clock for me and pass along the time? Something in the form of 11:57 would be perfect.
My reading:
10:37
